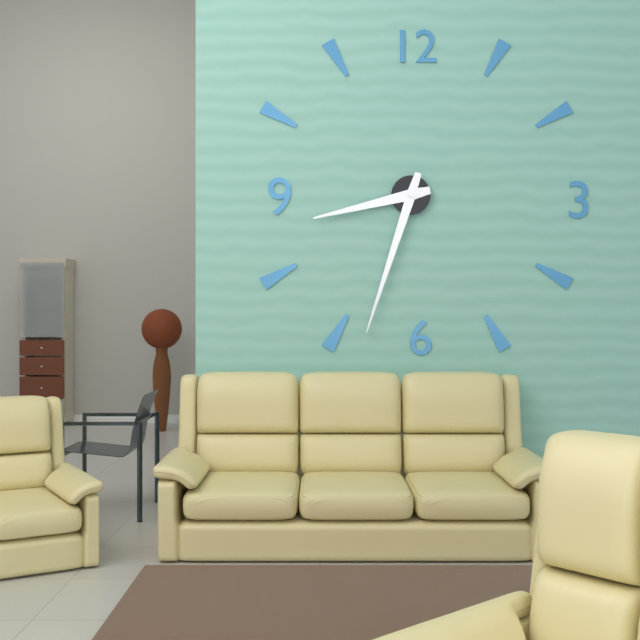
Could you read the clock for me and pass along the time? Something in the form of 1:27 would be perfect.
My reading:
8:33
